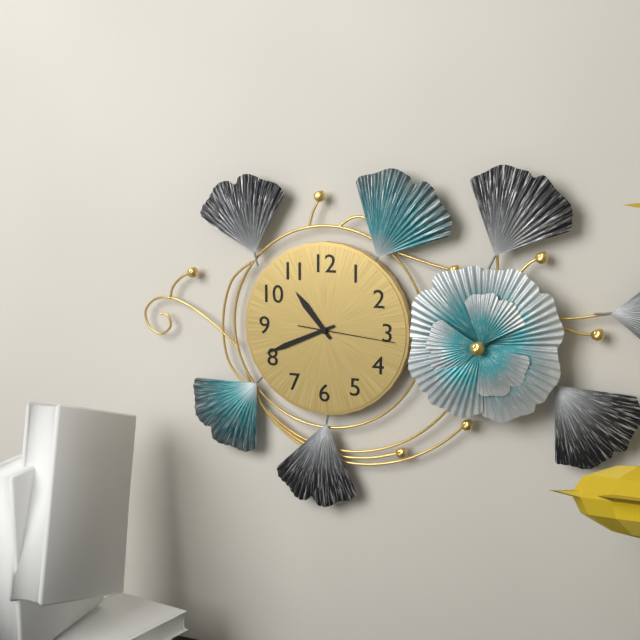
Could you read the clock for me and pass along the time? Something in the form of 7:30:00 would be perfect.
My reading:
10:41:16
